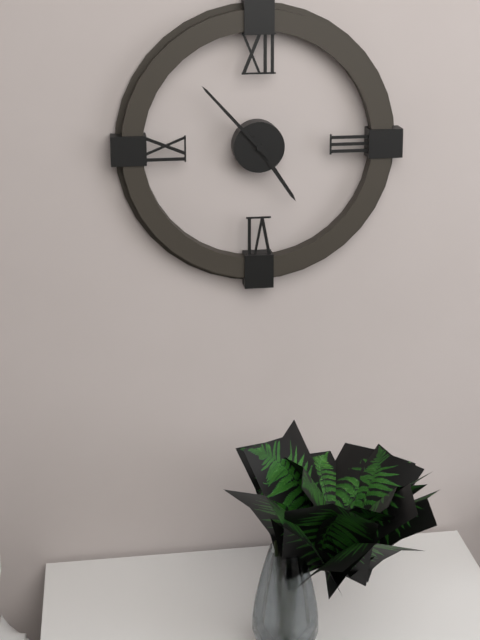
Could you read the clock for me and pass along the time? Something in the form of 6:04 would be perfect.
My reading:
4:53
